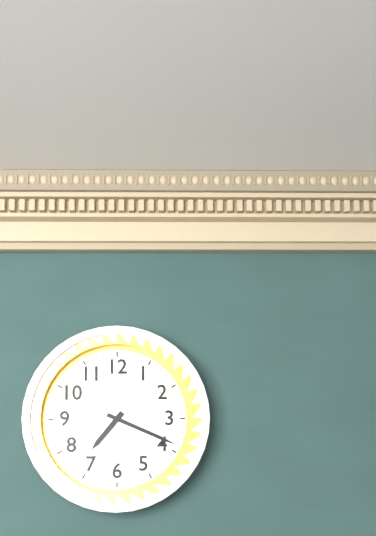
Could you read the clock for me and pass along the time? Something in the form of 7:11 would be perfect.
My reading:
7:19
